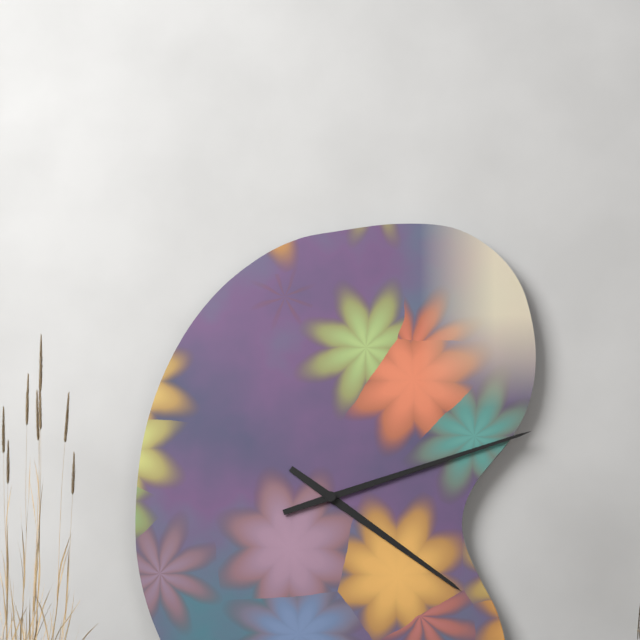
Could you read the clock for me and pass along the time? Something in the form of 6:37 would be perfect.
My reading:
4:12
